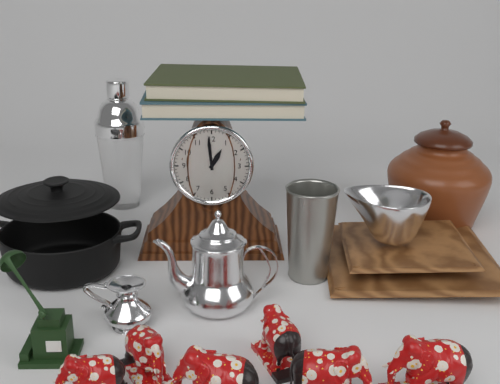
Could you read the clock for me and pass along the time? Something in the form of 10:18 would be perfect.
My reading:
12:59
